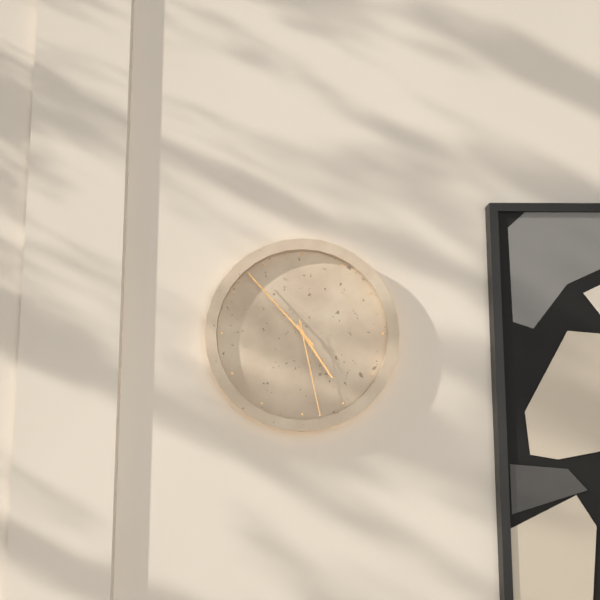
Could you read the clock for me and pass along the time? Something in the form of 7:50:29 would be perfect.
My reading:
4:53:28
